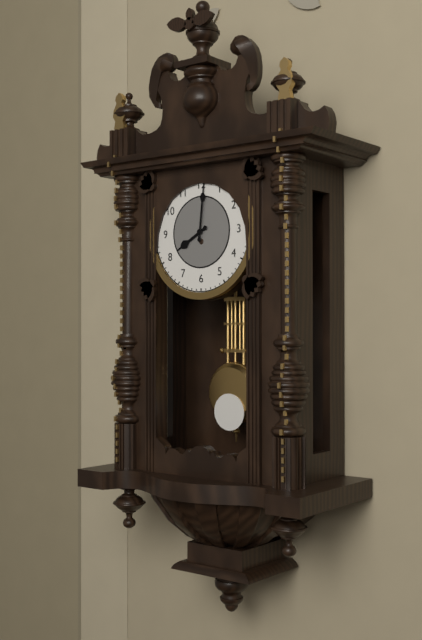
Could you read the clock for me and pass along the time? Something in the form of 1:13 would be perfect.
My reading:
8:01
